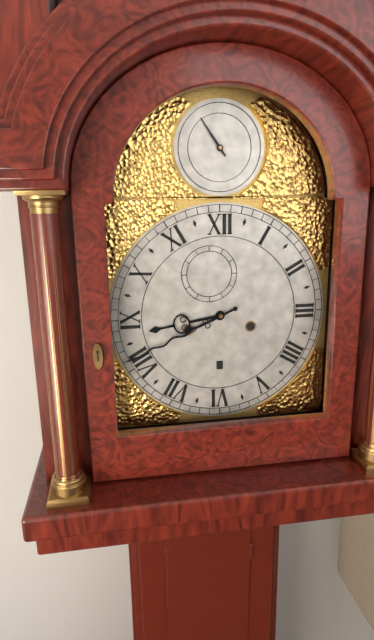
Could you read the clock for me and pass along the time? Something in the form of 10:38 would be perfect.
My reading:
8:41
